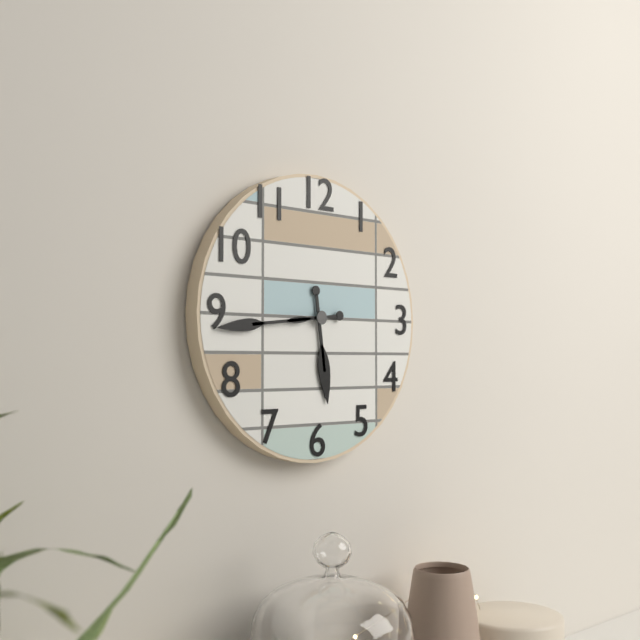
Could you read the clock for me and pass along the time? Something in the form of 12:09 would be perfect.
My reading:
5:44
